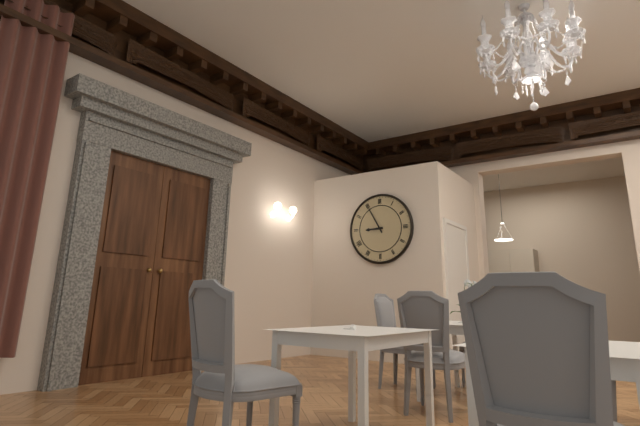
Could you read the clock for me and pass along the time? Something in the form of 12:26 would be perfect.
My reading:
8:55
